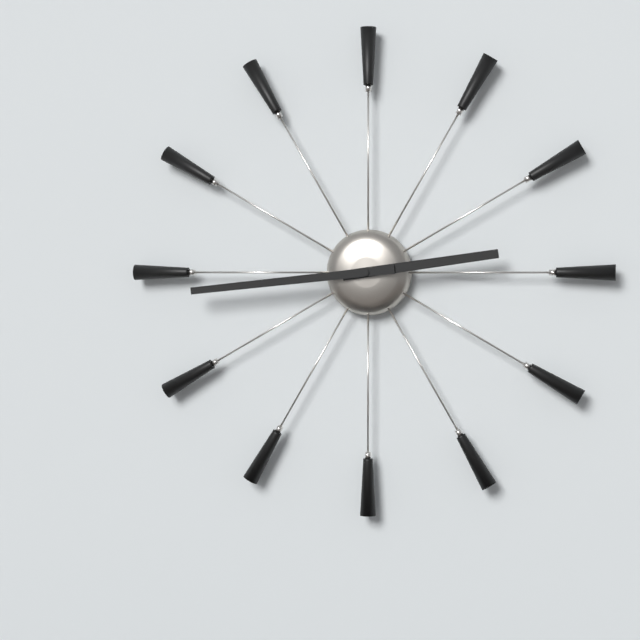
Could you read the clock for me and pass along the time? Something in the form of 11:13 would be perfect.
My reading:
2:44
